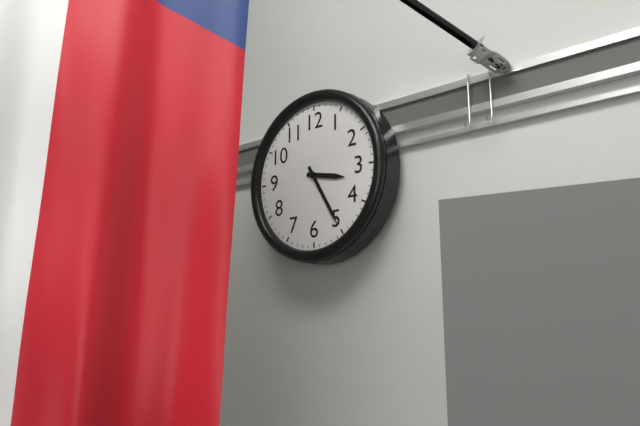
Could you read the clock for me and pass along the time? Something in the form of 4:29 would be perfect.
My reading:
3:25
